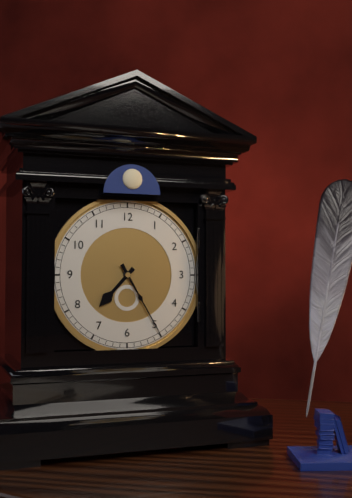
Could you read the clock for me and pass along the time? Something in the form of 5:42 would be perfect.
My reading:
7:25
